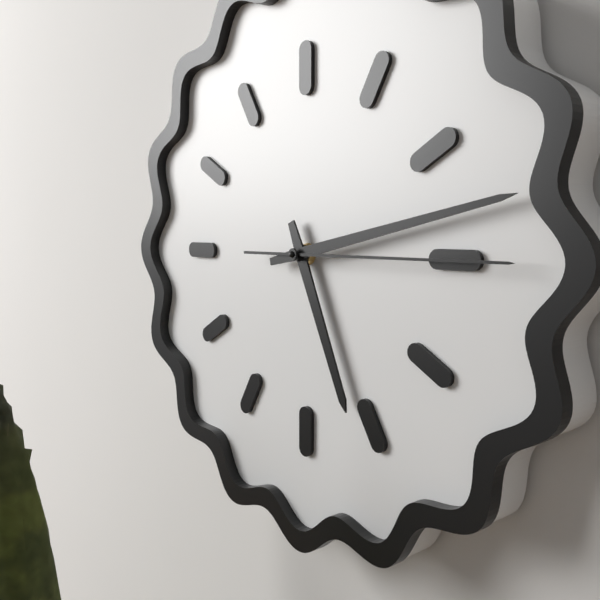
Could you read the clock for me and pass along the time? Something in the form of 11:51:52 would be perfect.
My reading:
5:13:15
